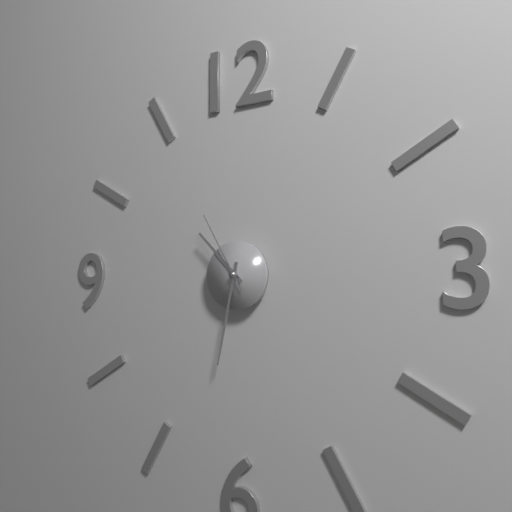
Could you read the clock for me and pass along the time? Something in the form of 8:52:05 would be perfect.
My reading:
10:32:55
